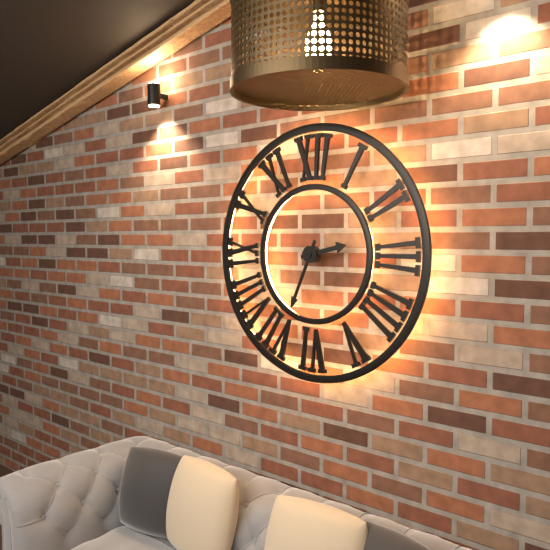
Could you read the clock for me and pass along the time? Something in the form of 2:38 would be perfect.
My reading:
2:34
